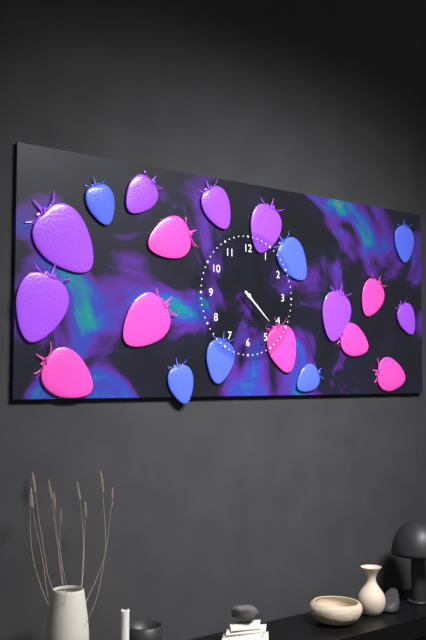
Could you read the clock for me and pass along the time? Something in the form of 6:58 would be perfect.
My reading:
4:22
